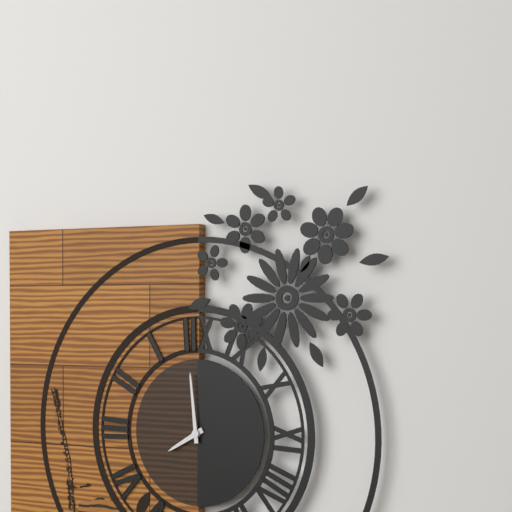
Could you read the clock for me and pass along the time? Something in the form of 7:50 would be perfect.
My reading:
7:59
